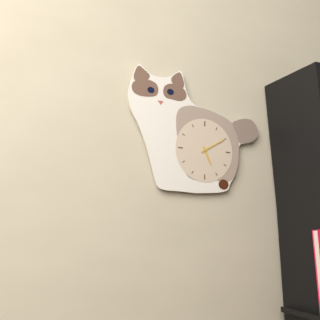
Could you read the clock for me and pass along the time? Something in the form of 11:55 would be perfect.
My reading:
5:10
